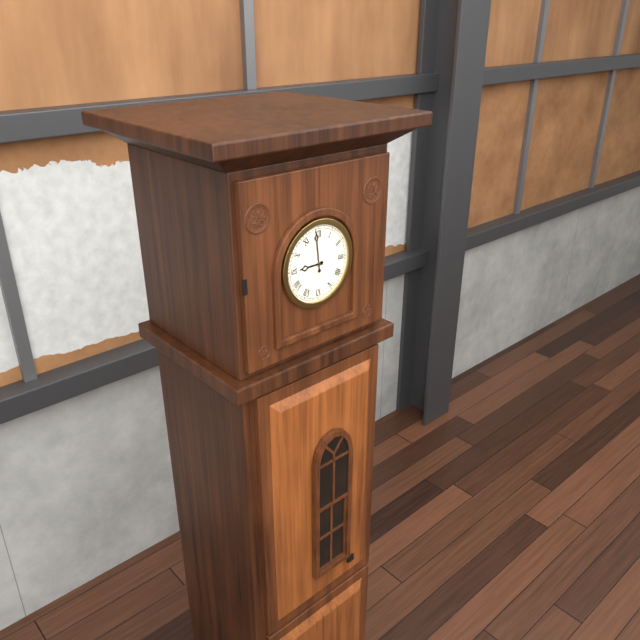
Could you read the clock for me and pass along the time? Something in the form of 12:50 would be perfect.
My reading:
8:59
